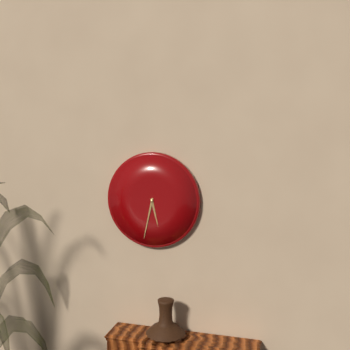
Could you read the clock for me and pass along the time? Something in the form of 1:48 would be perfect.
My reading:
5:32
